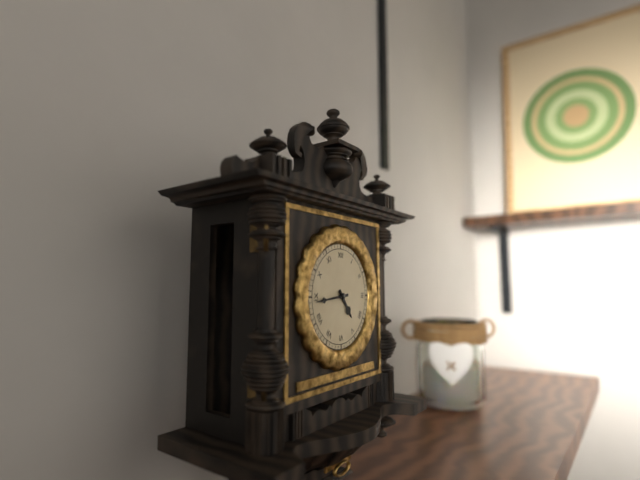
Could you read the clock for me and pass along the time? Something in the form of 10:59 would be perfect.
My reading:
4:44
